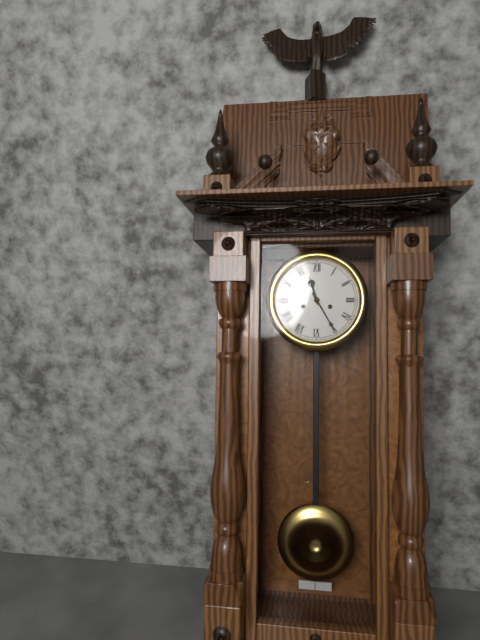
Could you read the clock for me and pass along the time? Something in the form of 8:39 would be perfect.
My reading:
11:25
